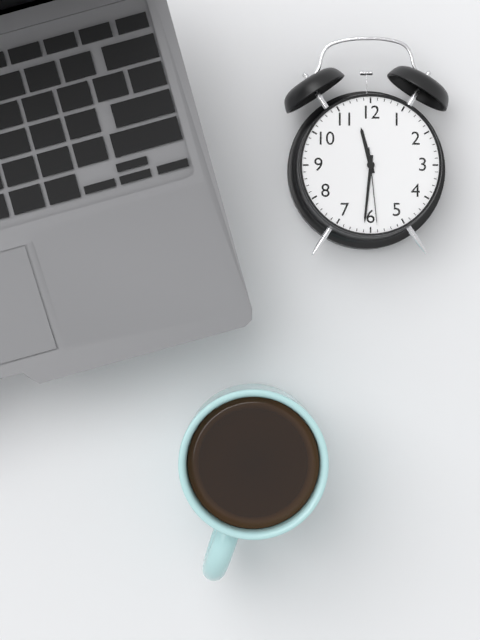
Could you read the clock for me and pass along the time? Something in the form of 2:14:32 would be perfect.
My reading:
11:31:29
